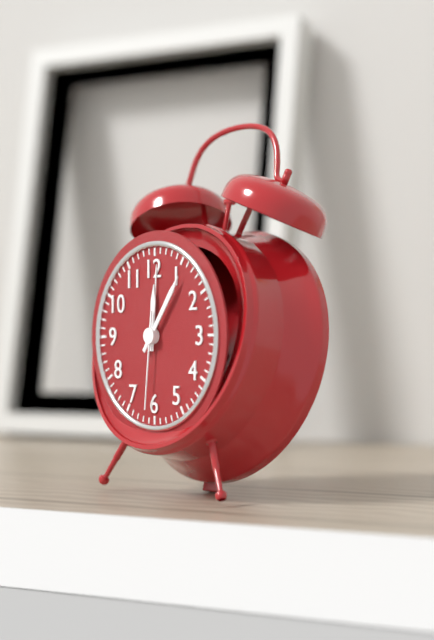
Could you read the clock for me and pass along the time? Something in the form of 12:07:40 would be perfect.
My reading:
12:06:31
